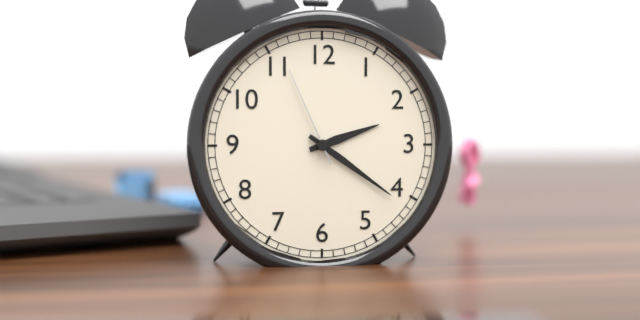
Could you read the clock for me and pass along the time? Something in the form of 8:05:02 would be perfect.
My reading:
2:21:56
